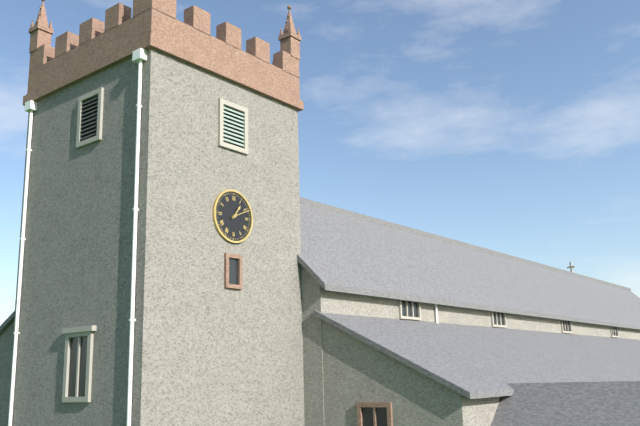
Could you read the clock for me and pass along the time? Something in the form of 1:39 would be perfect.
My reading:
1:11
